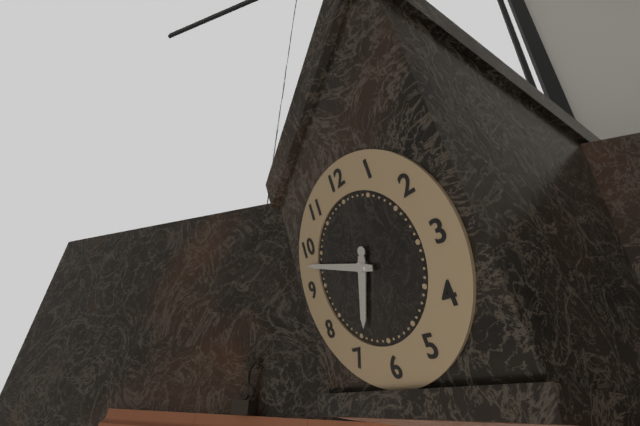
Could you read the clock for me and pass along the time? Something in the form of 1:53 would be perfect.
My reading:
6:48
